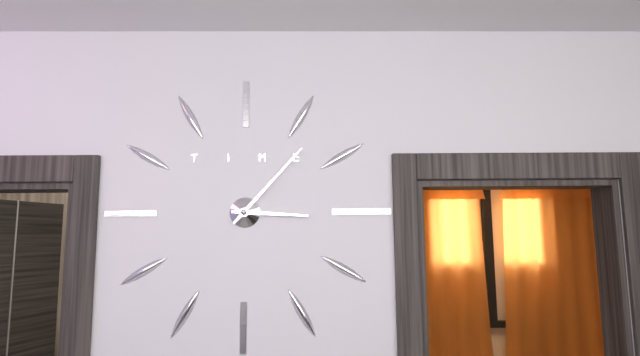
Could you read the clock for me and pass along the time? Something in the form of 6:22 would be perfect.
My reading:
3:07
